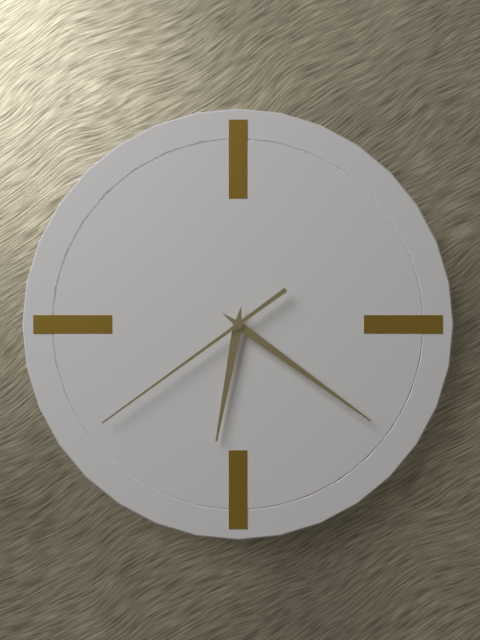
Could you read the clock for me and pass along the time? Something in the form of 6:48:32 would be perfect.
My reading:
6:21:39
